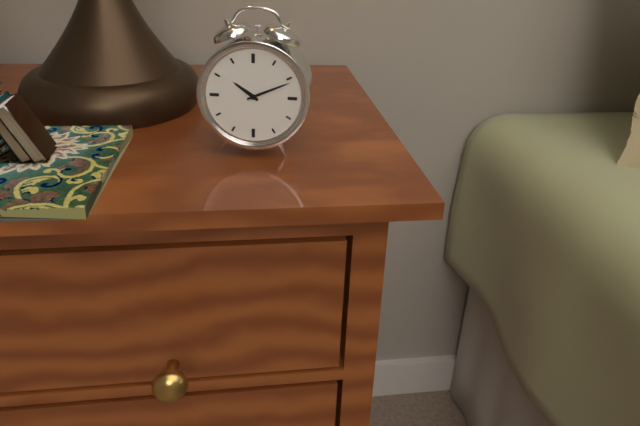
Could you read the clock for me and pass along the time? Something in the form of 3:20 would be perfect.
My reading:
10:11
